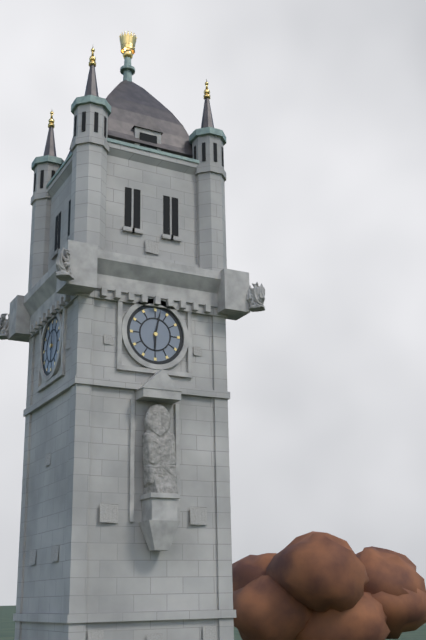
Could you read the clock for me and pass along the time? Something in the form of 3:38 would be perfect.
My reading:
6:02
